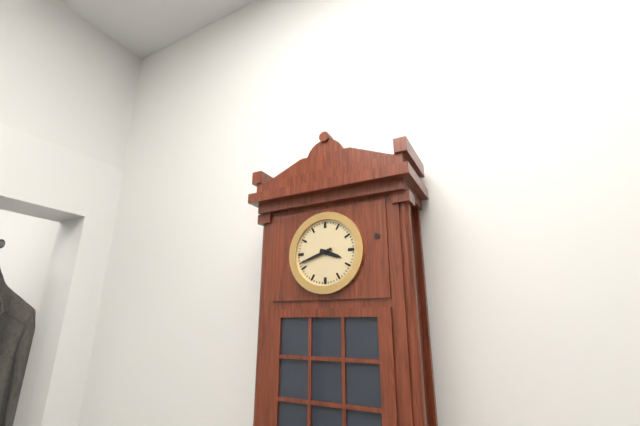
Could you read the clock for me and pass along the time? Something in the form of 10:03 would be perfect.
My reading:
3:42
